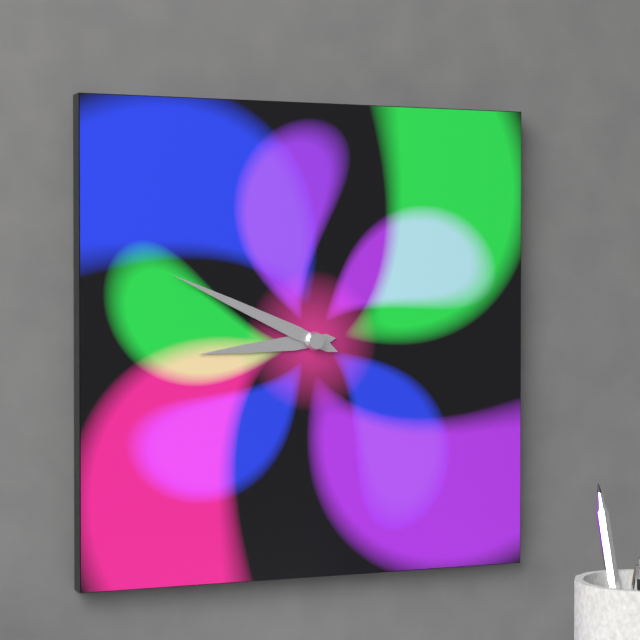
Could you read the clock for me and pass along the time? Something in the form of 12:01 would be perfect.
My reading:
8:49
